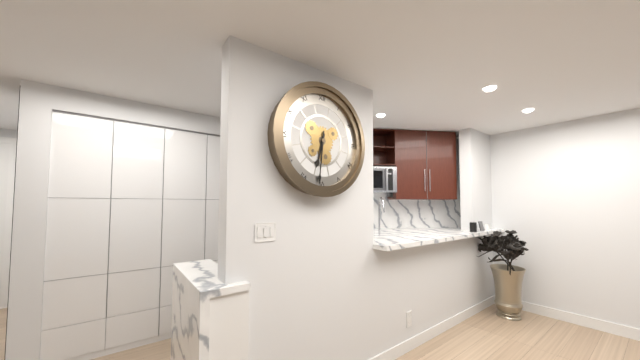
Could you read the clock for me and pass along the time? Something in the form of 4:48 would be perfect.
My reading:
6:31
